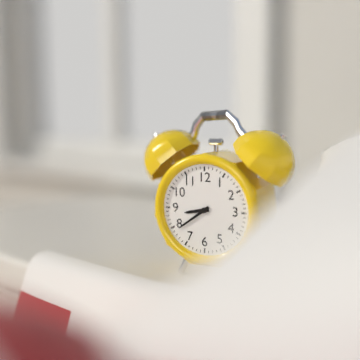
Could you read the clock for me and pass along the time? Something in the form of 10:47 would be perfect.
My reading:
8:39
